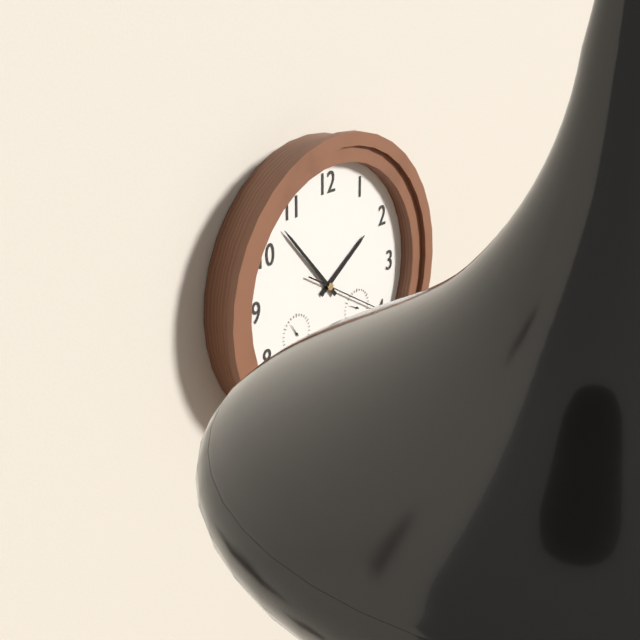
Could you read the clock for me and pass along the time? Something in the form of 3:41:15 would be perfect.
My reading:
1:53:20
